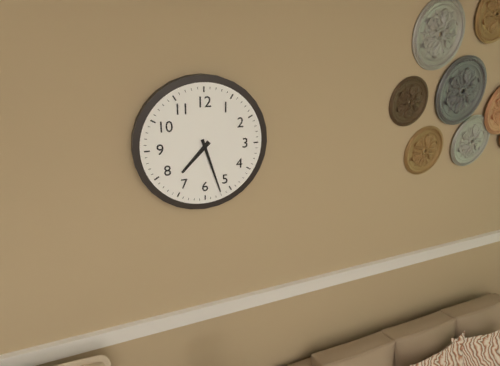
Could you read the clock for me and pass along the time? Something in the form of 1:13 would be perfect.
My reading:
7:27
